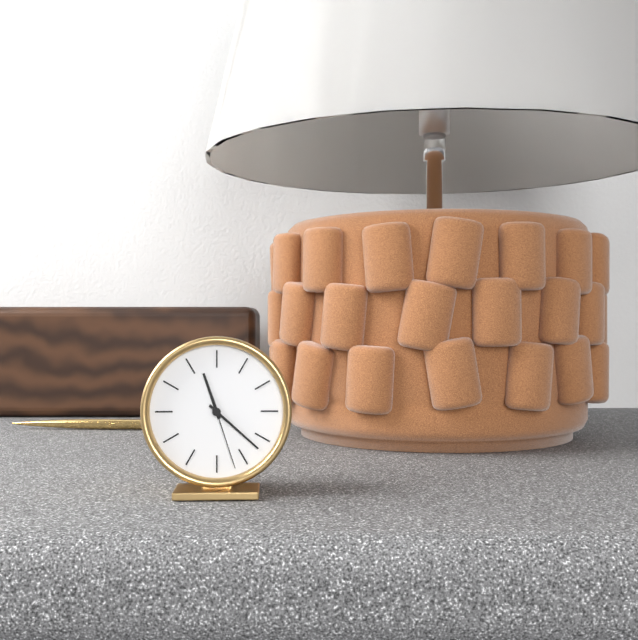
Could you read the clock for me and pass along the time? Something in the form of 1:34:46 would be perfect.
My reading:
11:22:27
